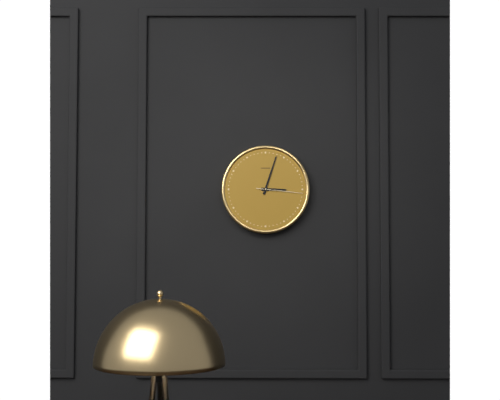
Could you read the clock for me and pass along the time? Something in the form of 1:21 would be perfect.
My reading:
3:03
